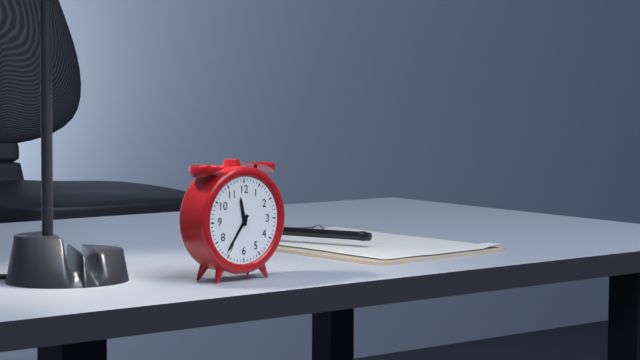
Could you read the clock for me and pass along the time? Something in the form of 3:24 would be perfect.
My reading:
11:36
